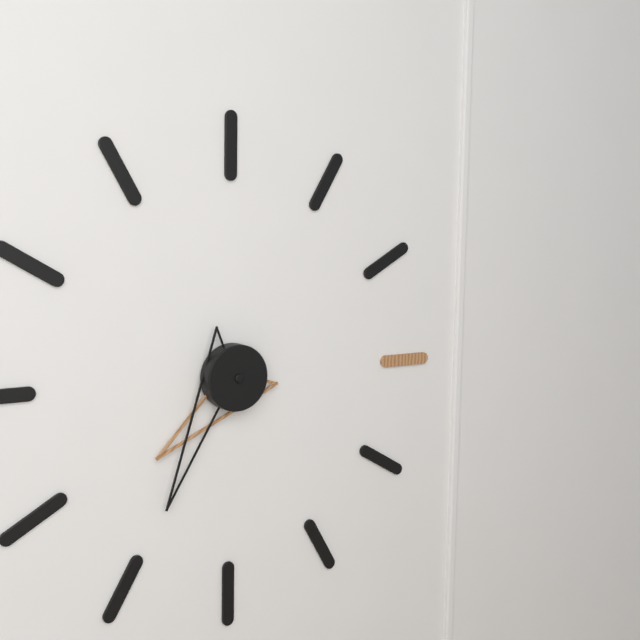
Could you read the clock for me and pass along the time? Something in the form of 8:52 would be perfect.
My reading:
7:35
